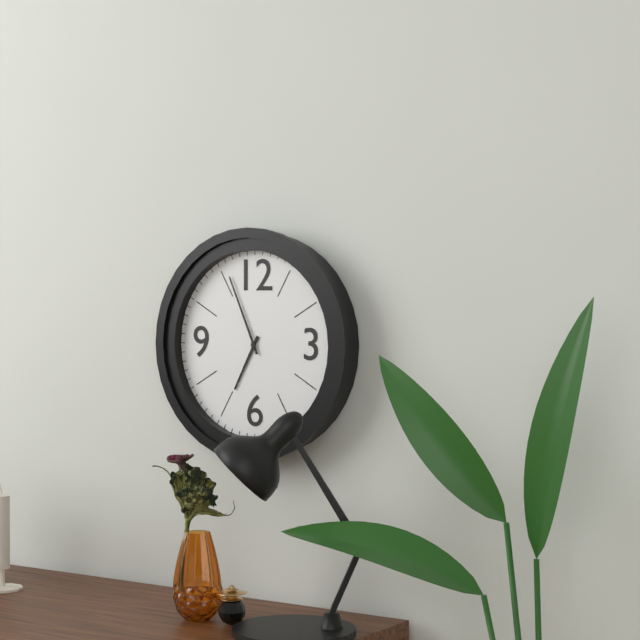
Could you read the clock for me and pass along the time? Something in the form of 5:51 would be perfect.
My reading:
6:56
